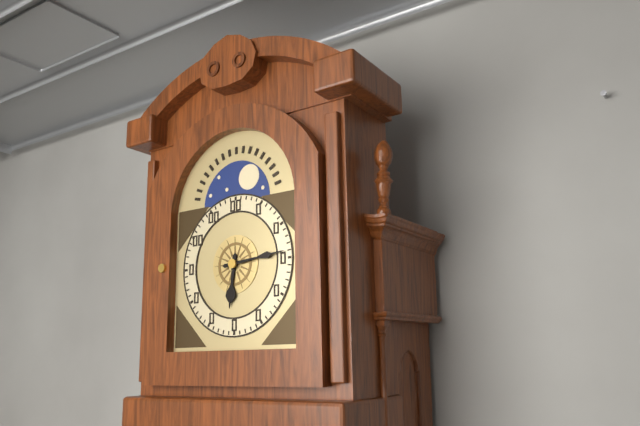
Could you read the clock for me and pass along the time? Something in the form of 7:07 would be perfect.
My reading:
6:14
